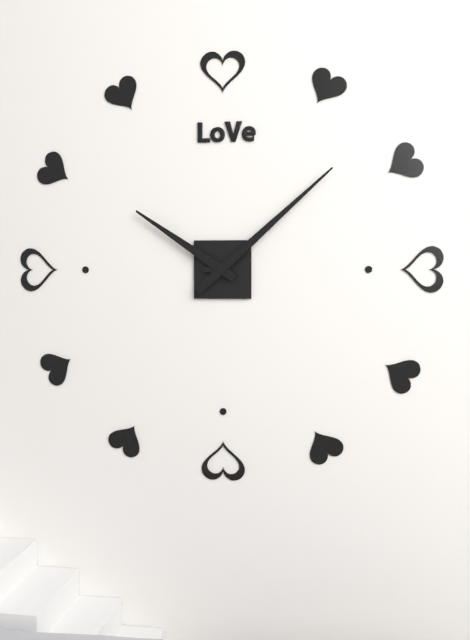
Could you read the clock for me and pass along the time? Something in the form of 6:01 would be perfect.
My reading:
10:08
